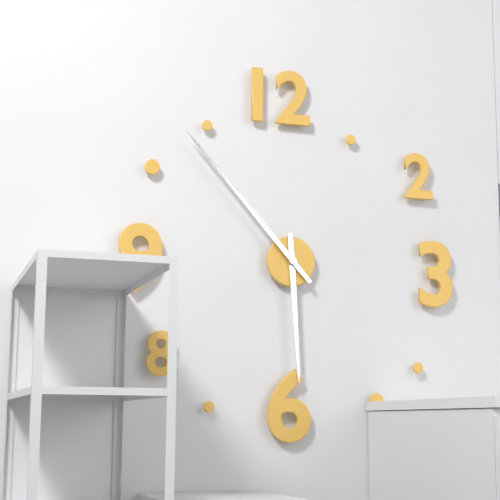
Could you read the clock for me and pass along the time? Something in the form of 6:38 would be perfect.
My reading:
5:53
